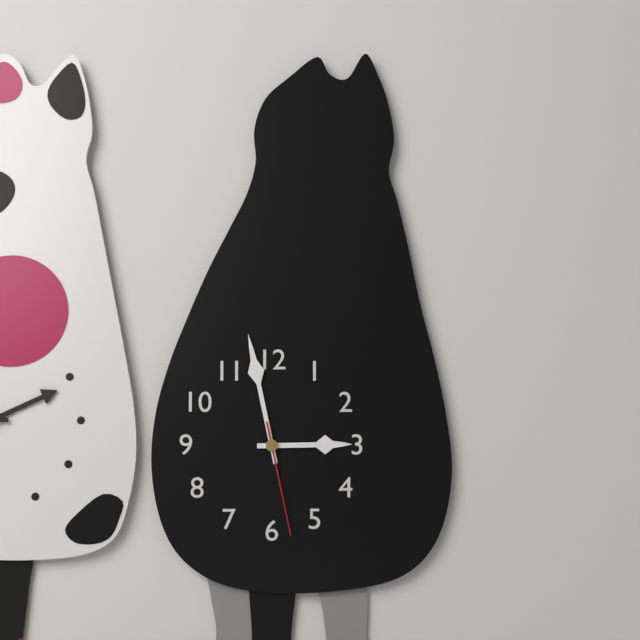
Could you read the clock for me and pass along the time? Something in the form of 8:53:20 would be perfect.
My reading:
2:58:28
